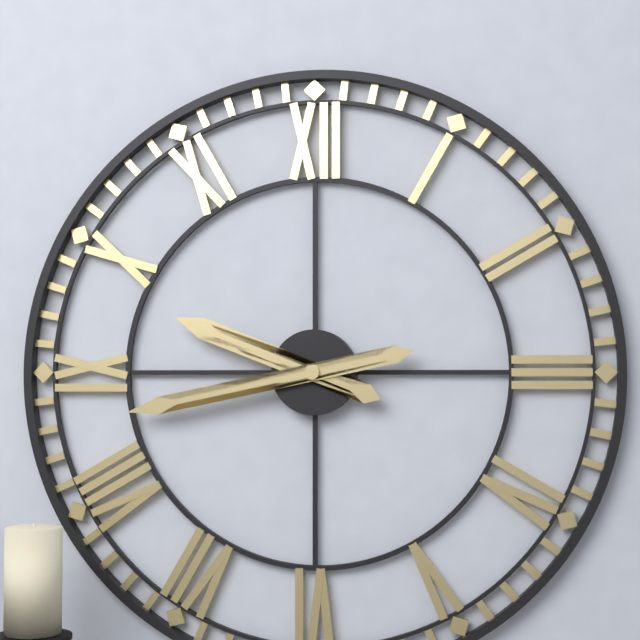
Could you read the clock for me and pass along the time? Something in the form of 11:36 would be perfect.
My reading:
9:43
